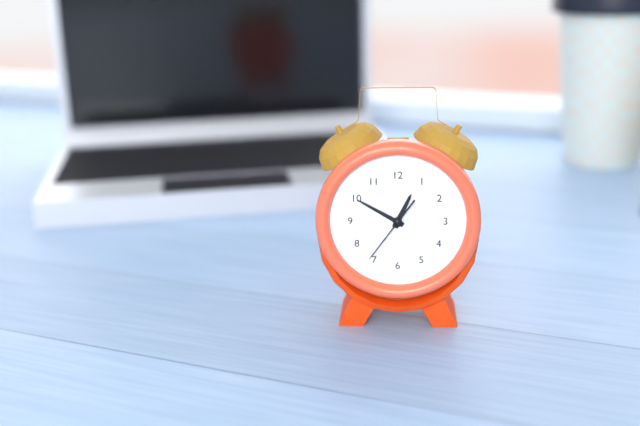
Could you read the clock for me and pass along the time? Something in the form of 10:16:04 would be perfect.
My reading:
12:50:36
